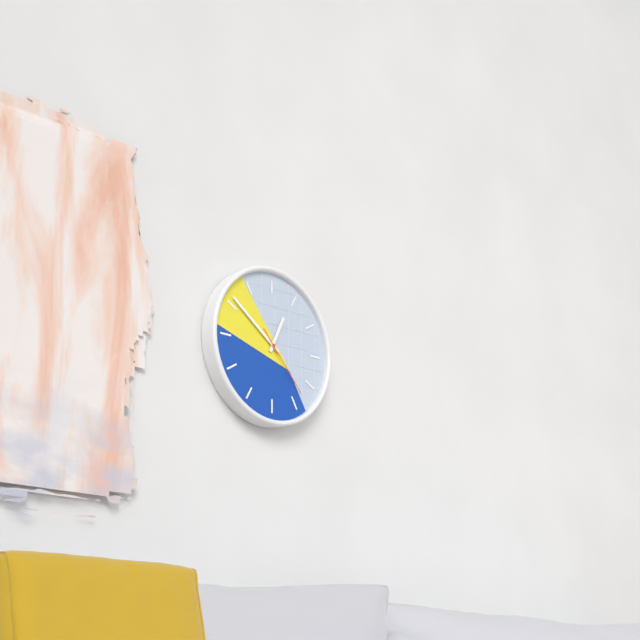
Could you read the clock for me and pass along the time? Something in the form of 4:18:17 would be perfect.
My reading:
12:51:23
